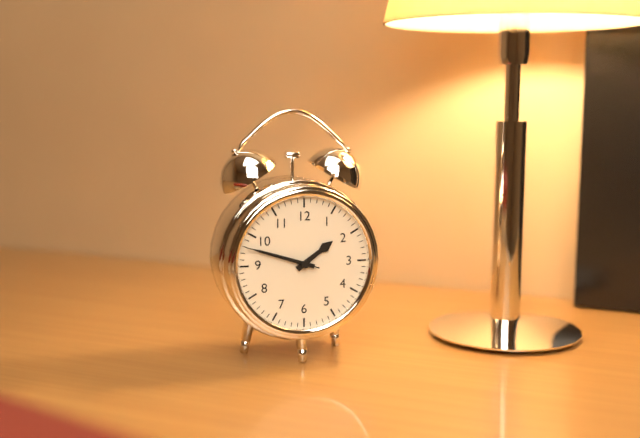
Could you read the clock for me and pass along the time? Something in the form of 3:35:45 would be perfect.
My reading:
1:48:48
